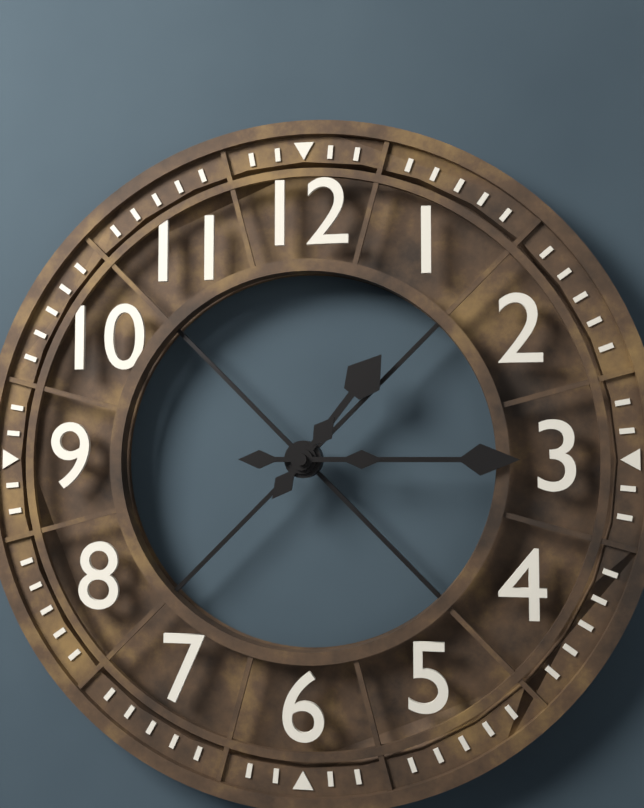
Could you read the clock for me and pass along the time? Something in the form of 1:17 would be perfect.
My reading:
1:15
